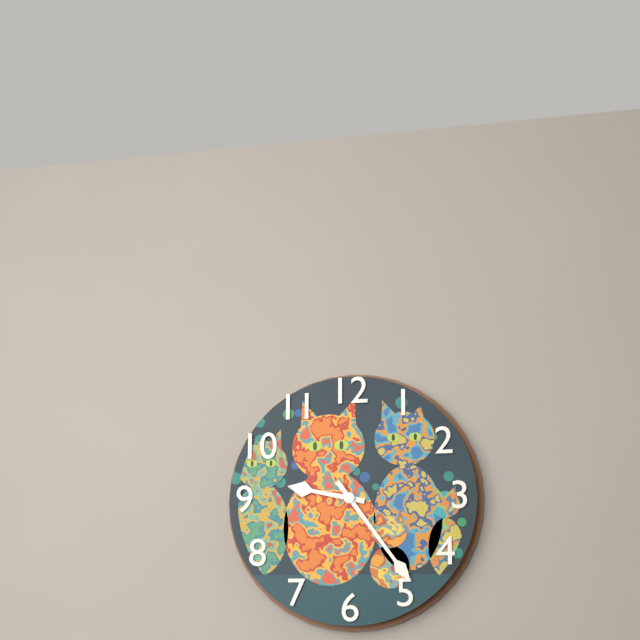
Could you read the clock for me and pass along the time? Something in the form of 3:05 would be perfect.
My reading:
9:24
